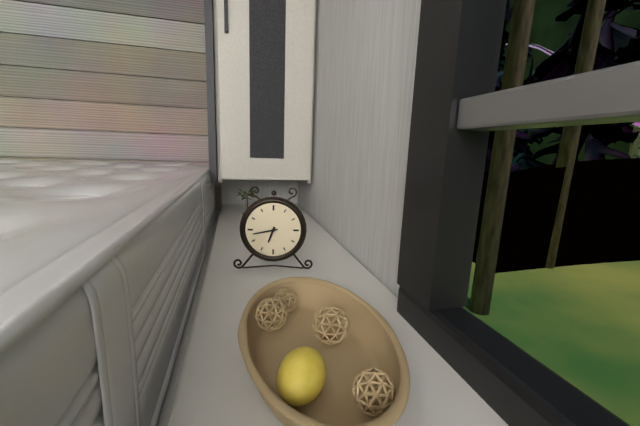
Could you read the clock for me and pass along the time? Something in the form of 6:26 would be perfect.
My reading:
6:43
